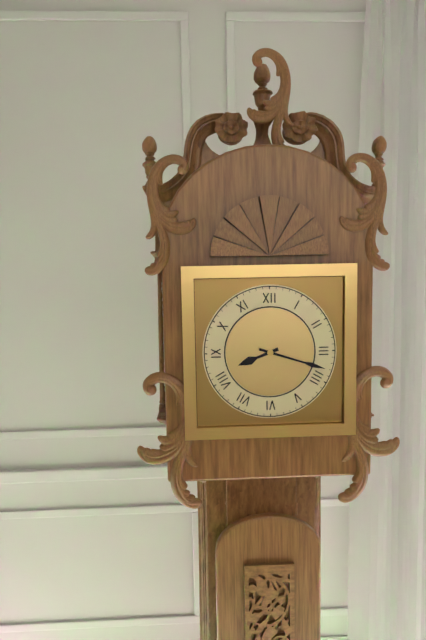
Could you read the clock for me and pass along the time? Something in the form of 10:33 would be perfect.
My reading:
8:18
